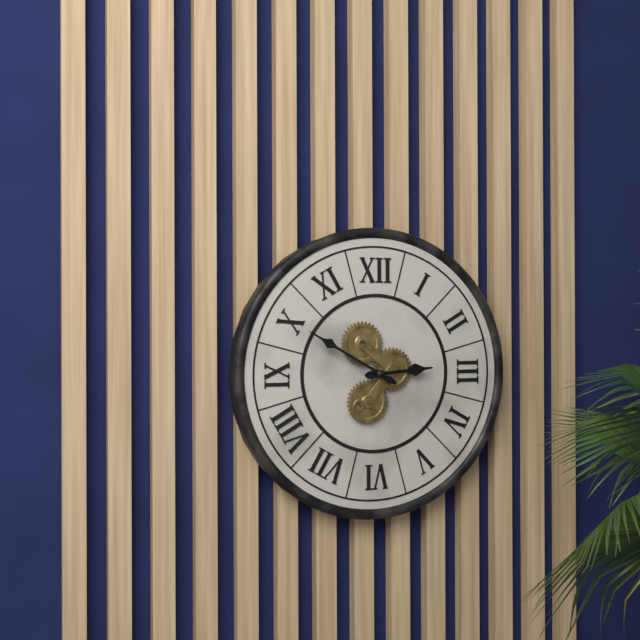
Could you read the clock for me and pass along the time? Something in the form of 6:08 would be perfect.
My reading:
2:50
